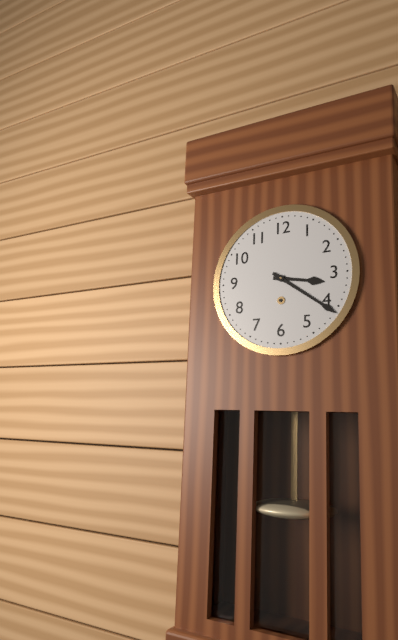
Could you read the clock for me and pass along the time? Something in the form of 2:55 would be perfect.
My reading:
3:21
